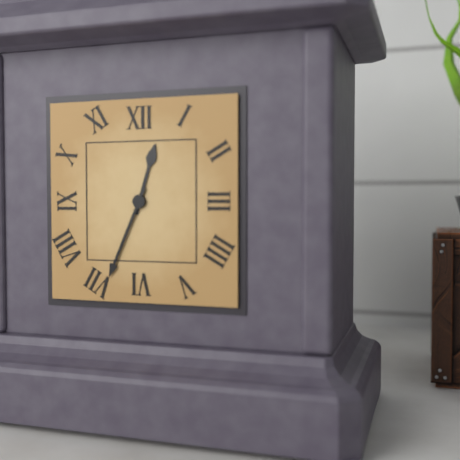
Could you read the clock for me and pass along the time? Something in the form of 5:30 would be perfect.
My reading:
12:34
